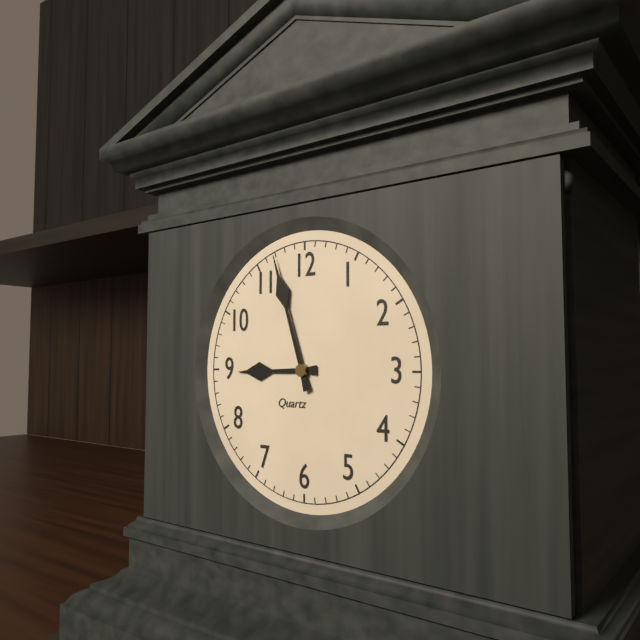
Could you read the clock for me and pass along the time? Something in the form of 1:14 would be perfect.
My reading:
8:57
